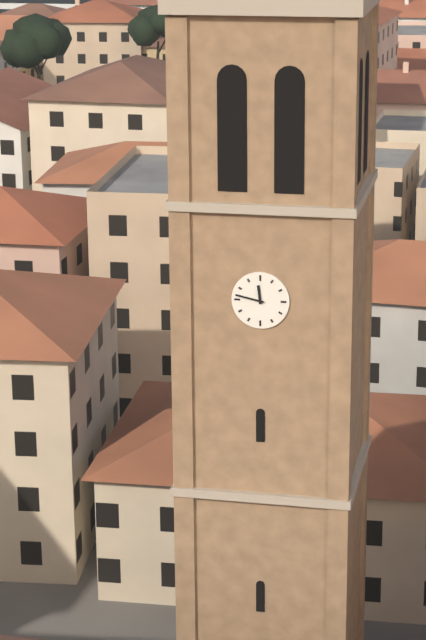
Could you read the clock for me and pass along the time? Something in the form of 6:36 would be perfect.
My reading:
11:47
